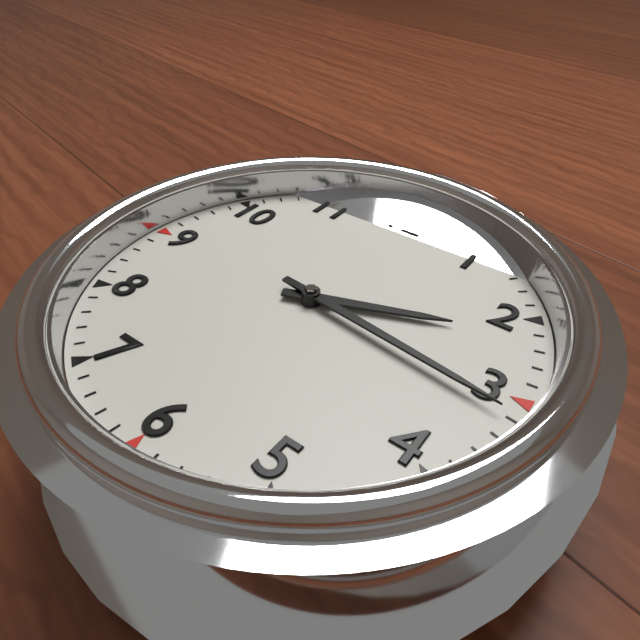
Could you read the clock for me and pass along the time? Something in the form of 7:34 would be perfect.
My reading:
2:16
